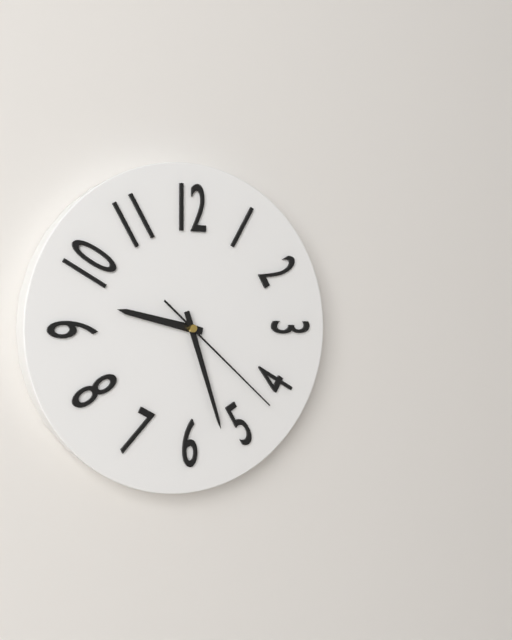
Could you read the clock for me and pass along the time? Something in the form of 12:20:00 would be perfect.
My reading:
9:27:22
